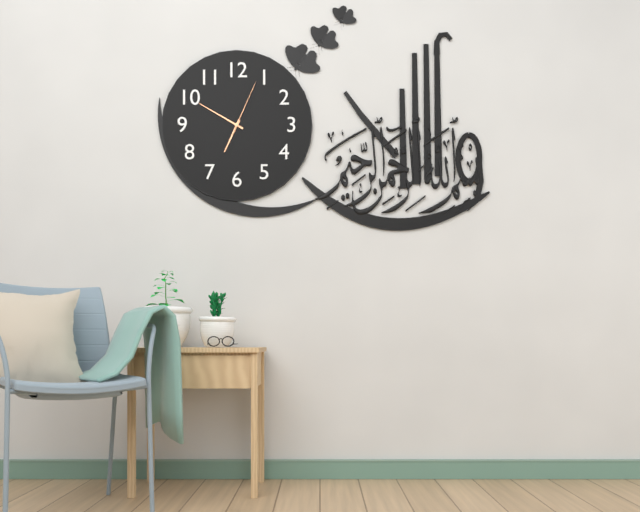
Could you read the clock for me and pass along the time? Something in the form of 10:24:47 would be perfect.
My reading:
6:50:04
